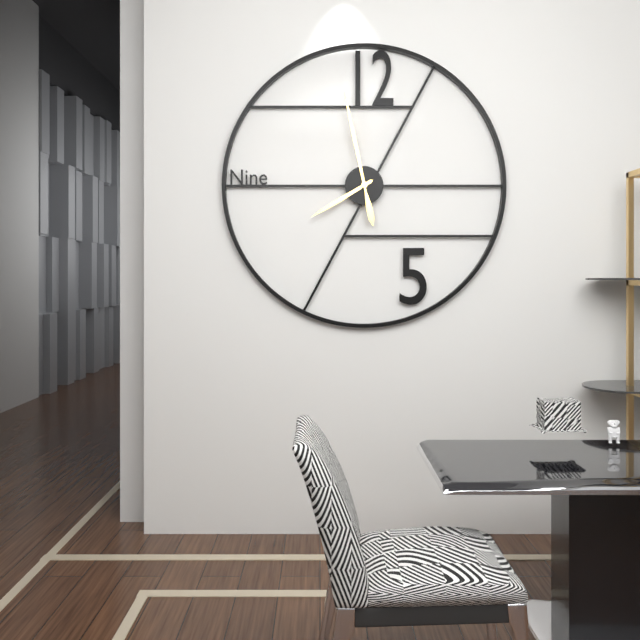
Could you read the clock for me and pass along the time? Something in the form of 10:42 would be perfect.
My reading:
7:58
